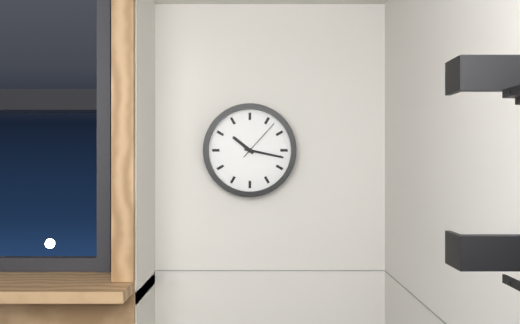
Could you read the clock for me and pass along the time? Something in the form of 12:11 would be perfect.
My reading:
10:17
